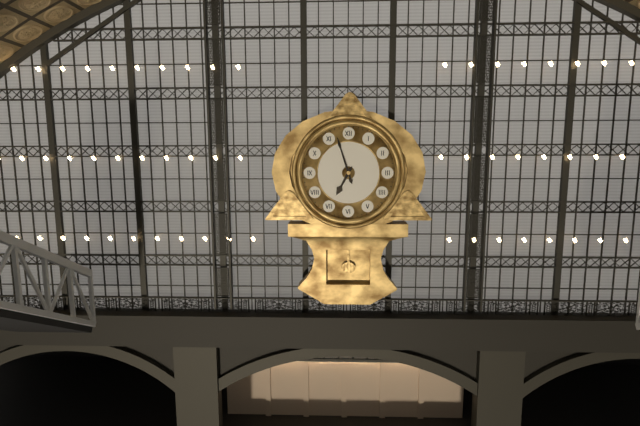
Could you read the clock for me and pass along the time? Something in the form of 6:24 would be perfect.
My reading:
6:57
